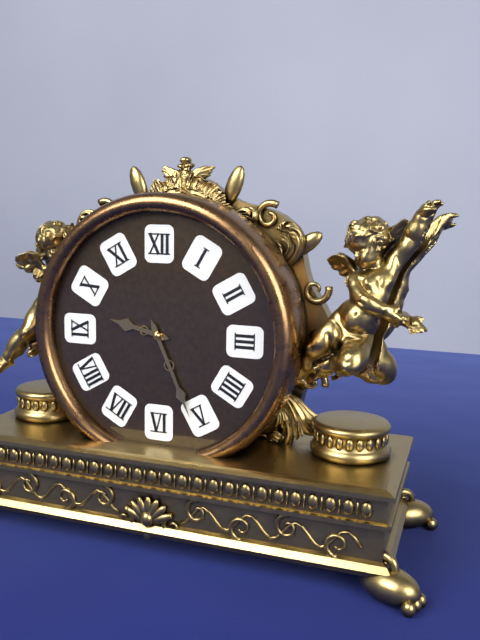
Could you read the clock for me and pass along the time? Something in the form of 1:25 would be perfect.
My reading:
9:26
